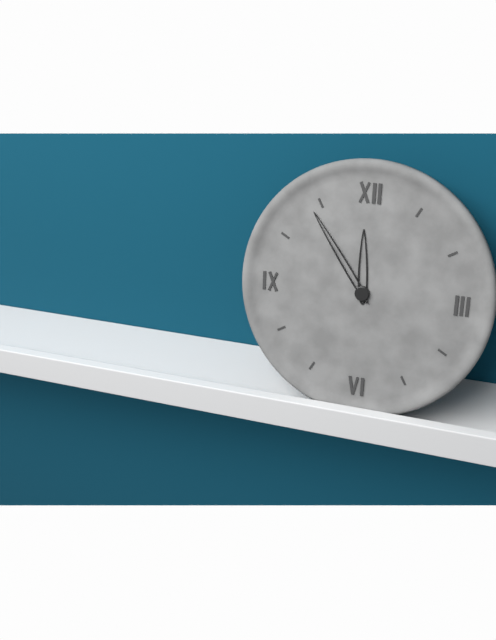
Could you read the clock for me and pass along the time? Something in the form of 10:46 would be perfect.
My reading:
11:54
